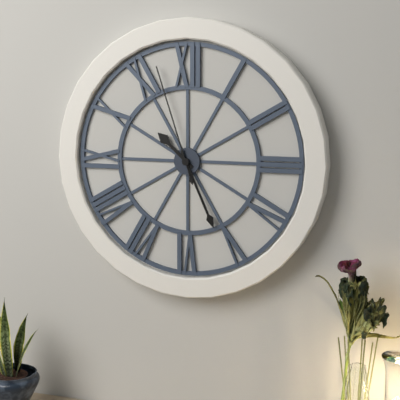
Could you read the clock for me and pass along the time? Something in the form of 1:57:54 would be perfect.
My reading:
10:26:57
